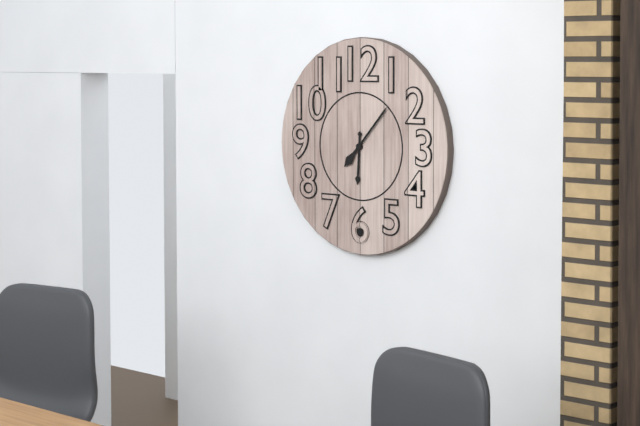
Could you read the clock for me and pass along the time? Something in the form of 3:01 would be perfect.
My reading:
6:07
